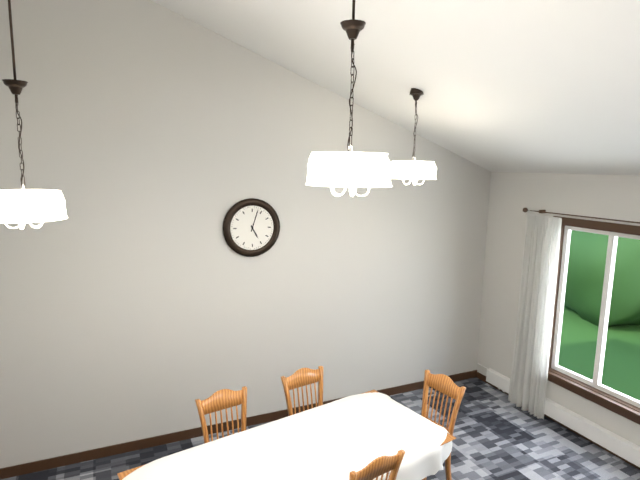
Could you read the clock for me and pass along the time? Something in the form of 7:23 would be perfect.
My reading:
5:03
